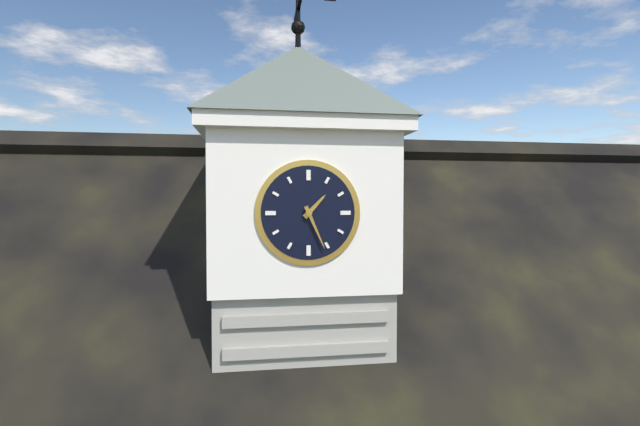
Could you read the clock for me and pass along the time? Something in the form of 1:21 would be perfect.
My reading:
1:26
